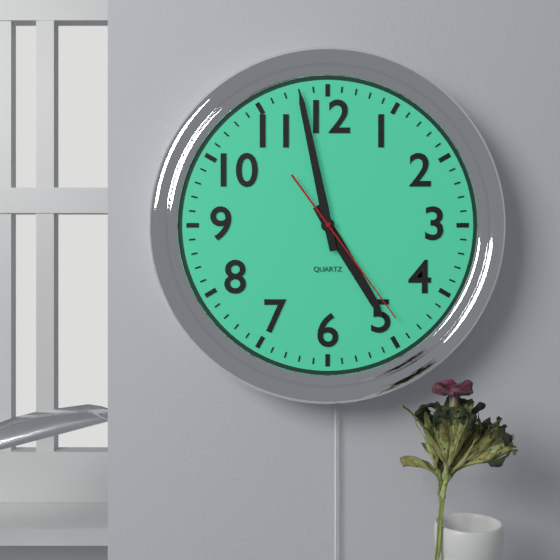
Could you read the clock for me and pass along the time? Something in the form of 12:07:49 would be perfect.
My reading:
4:58:24
